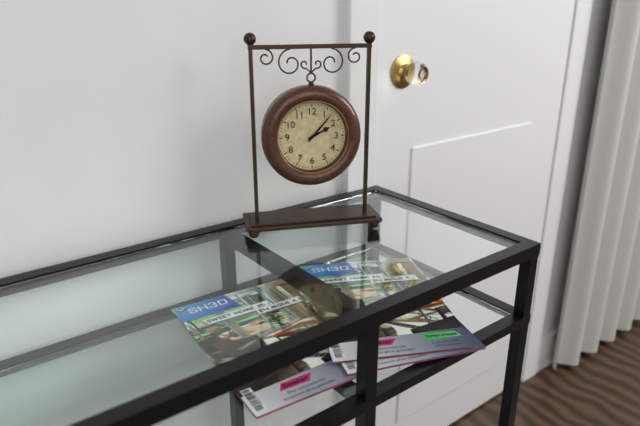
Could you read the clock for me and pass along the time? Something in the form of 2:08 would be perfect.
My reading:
2:07
